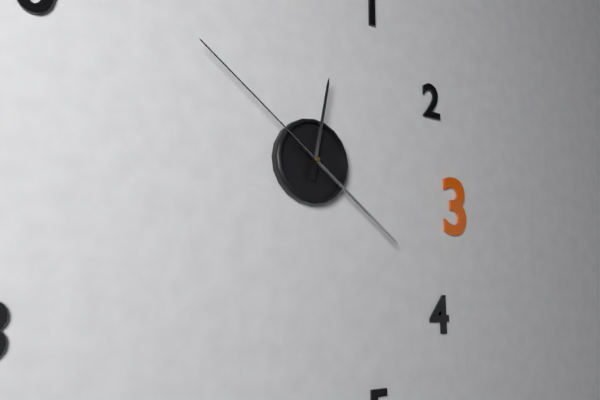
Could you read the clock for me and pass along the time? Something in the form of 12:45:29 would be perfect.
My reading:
12:21:51
